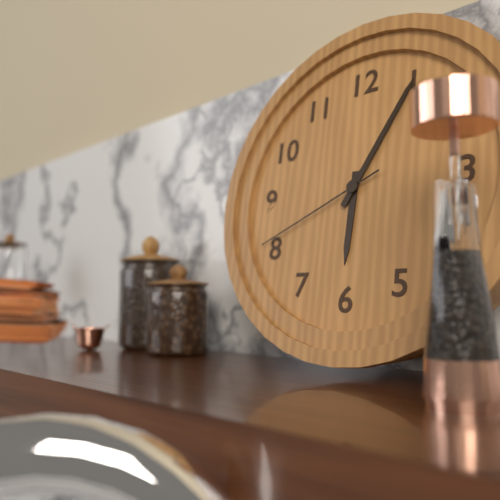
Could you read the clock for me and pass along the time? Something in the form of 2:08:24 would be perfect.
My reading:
6:05:41
